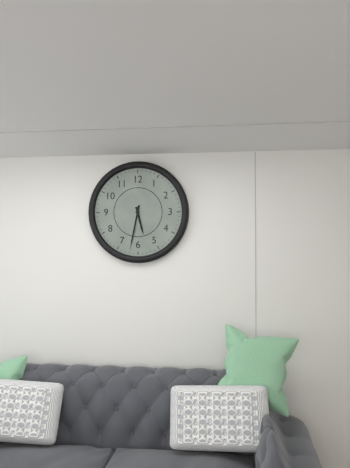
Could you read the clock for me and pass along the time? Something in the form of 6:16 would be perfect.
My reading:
5:32
